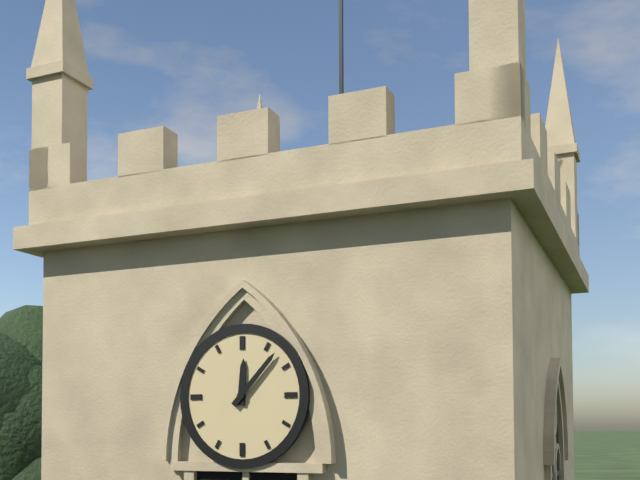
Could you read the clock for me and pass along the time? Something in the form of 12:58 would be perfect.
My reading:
12:07
